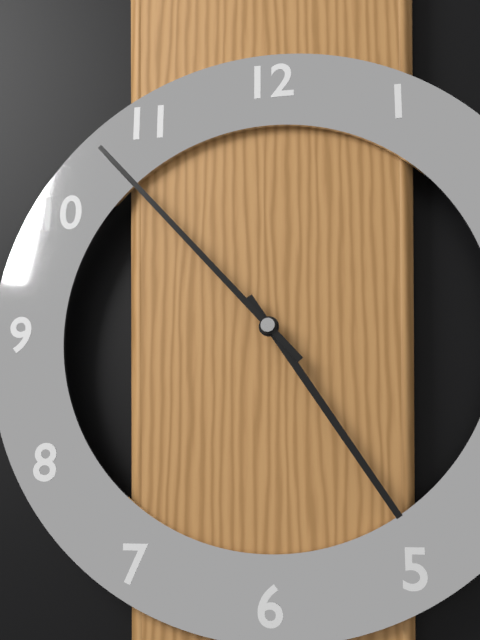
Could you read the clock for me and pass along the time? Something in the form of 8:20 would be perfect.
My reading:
4:53
